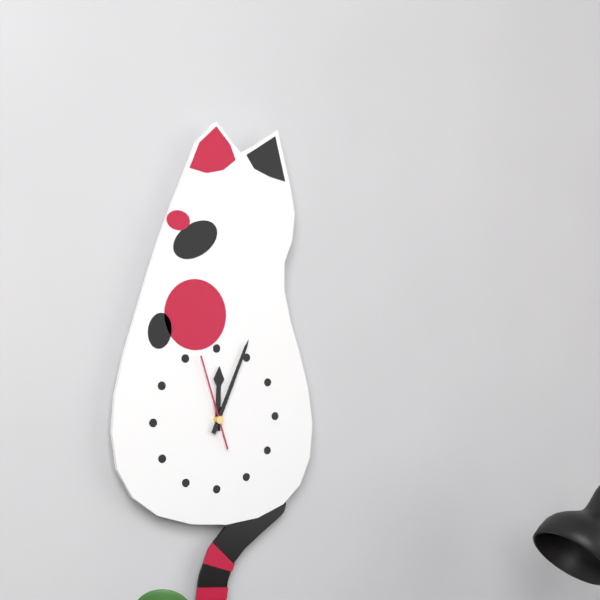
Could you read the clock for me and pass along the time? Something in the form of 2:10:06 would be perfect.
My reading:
12:04:57
